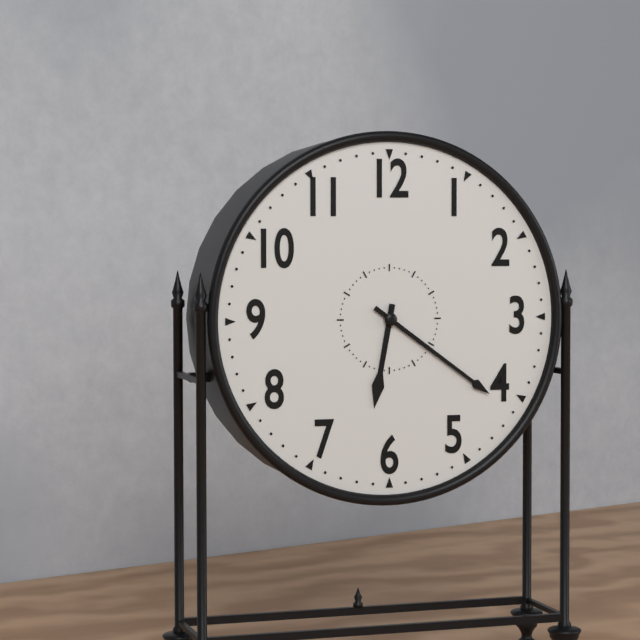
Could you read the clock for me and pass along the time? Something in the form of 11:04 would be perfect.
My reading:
6:21
